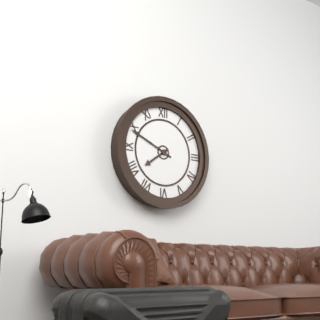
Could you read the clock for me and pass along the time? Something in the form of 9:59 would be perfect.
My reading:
7:49
